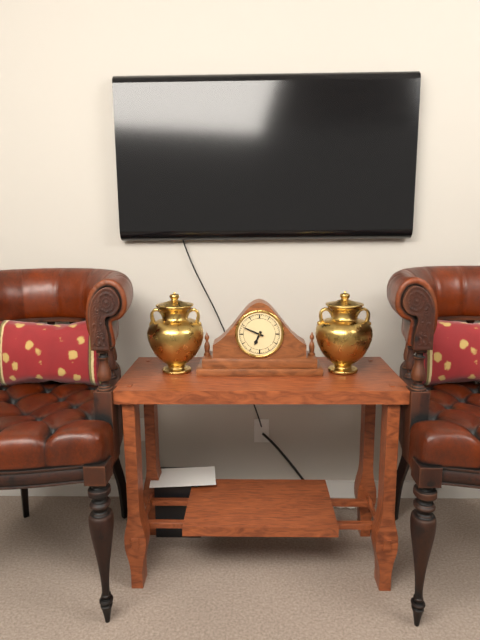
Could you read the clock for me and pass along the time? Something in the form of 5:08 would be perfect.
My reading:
6:49
